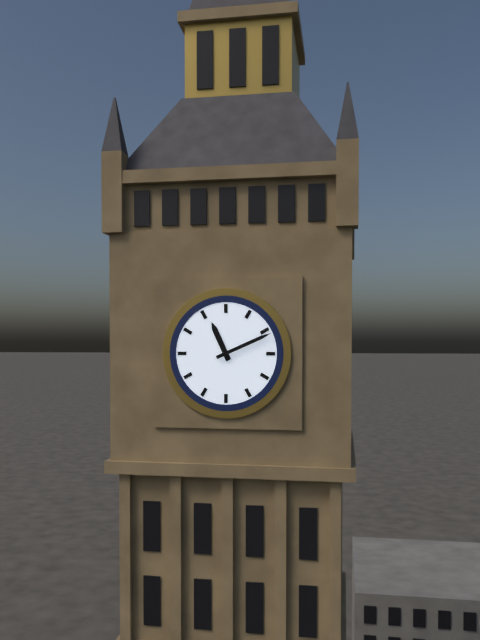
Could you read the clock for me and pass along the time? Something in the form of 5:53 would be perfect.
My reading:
11:11
